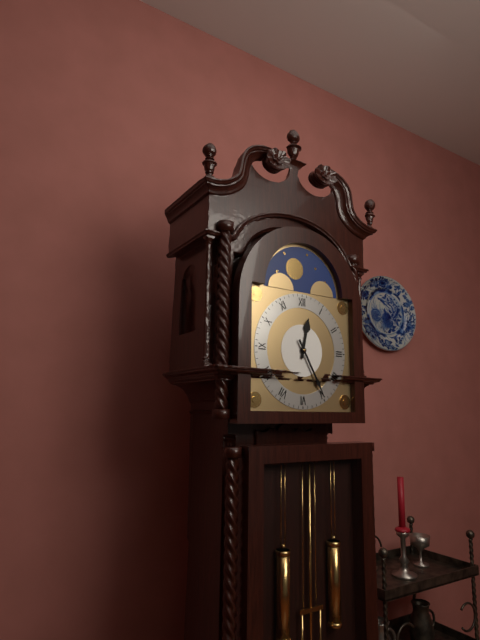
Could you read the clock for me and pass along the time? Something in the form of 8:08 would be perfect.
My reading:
12:25
